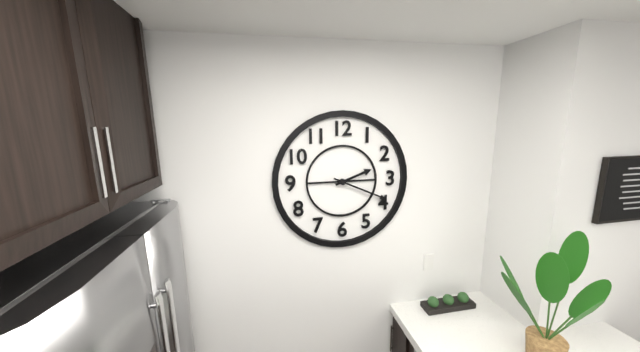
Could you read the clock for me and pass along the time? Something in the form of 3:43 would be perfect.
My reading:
2:19
